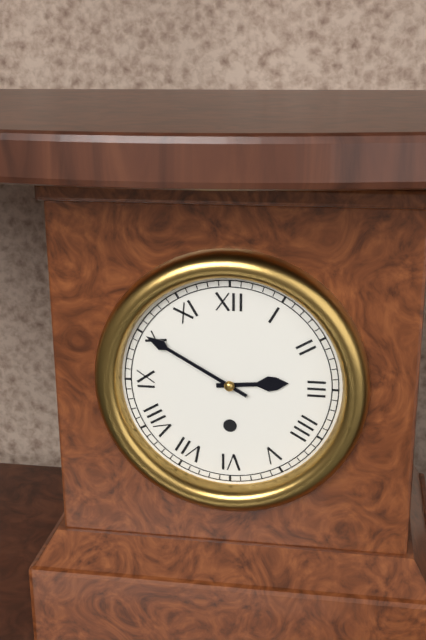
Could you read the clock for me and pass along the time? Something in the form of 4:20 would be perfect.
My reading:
2:50
